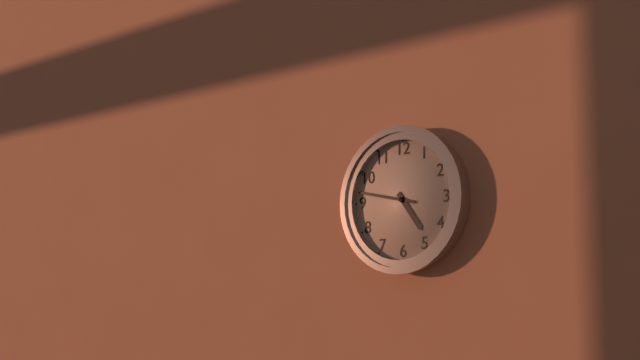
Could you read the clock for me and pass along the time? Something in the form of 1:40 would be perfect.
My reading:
4:47
